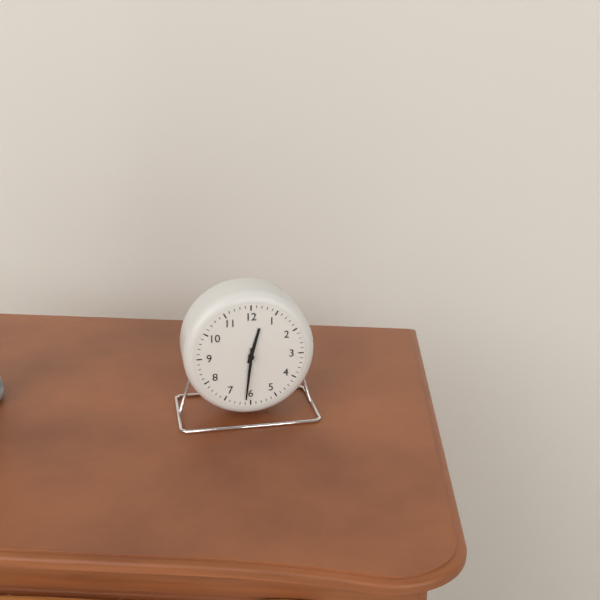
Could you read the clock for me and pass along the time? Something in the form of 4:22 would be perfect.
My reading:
12:31
